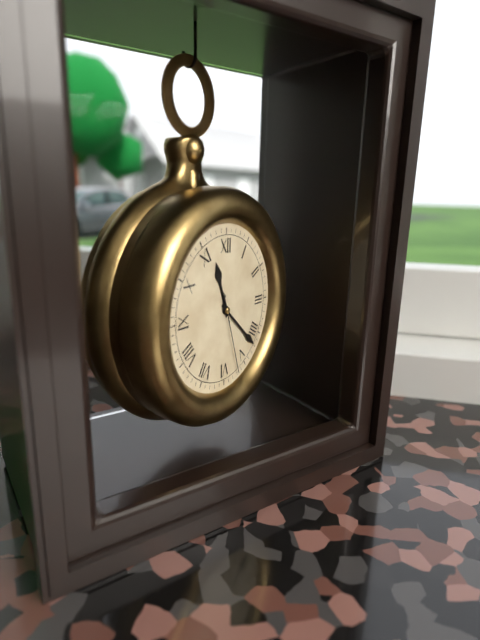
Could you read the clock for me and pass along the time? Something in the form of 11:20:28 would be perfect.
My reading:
11:22:27
